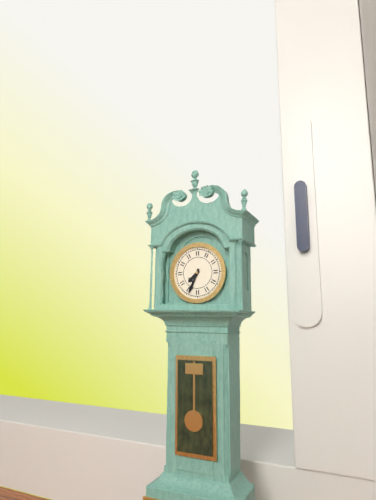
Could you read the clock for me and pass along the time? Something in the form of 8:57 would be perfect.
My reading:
7:34
